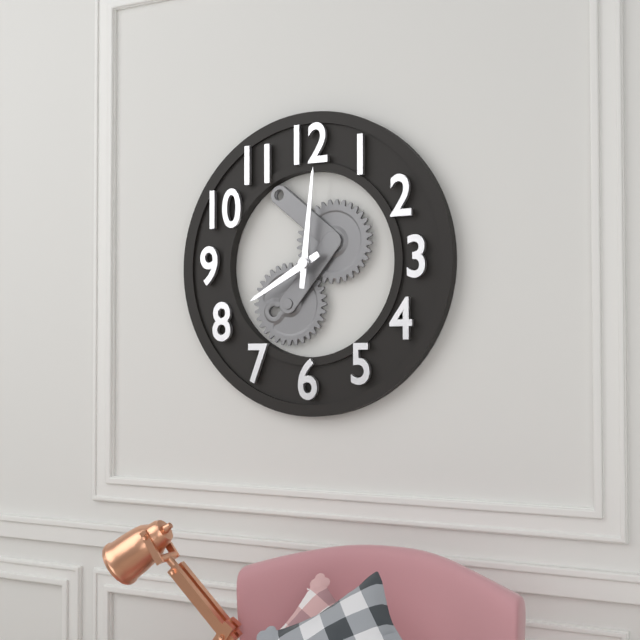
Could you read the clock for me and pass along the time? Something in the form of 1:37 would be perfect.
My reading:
8:01
